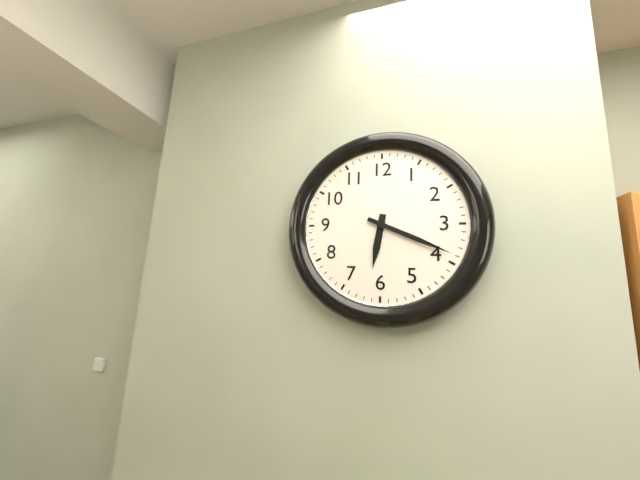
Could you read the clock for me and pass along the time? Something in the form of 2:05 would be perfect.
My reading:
6:19
